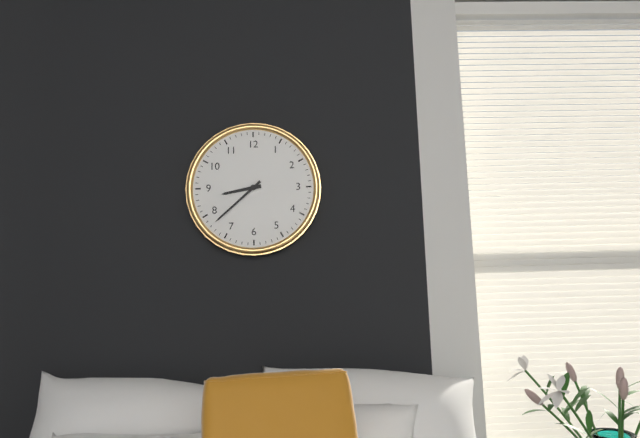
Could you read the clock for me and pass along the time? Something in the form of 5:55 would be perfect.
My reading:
8:38
